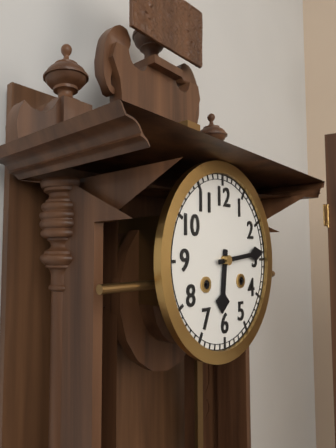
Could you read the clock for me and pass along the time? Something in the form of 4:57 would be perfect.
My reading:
6:14
